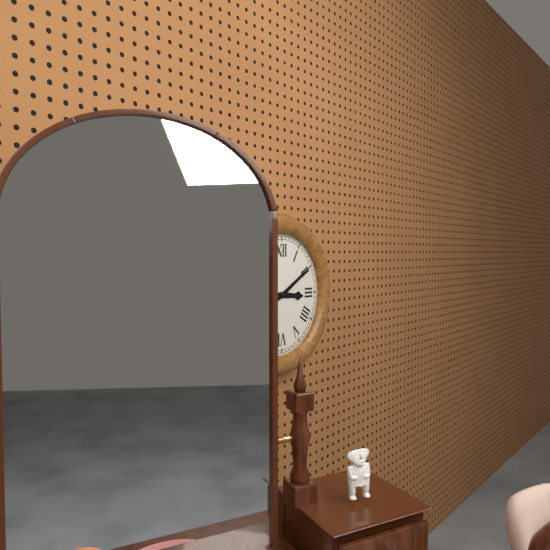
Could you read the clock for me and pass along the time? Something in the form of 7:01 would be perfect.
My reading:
3:10
